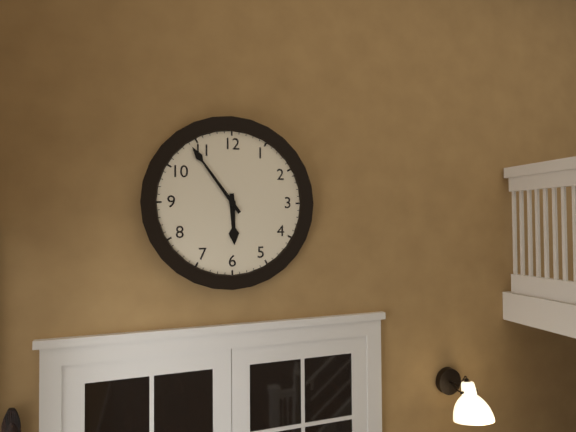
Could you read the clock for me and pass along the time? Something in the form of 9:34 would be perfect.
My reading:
5:54
